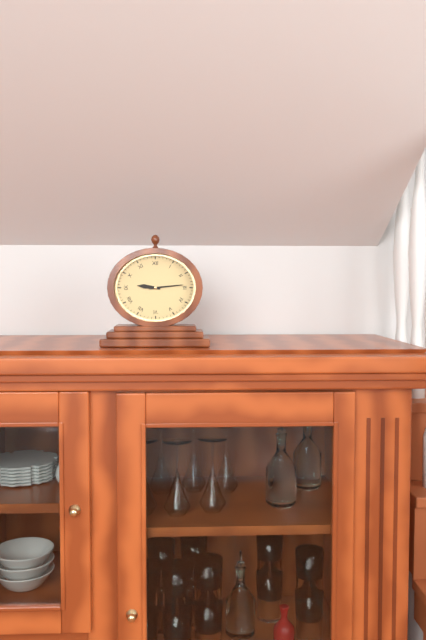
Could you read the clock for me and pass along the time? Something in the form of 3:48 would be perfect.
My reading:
9:14
